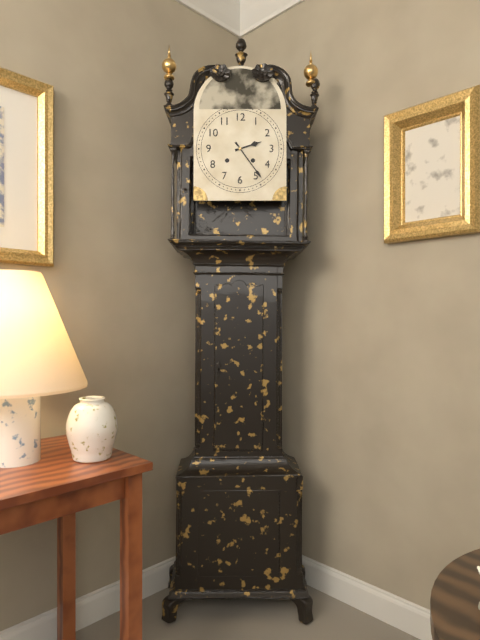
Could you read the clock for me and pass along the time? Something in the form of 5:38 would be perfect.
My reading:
2:24
